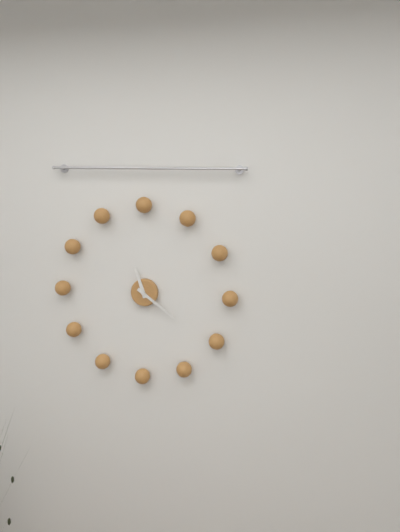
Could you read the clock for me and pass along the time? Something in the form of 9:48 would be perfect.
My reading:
11:21
